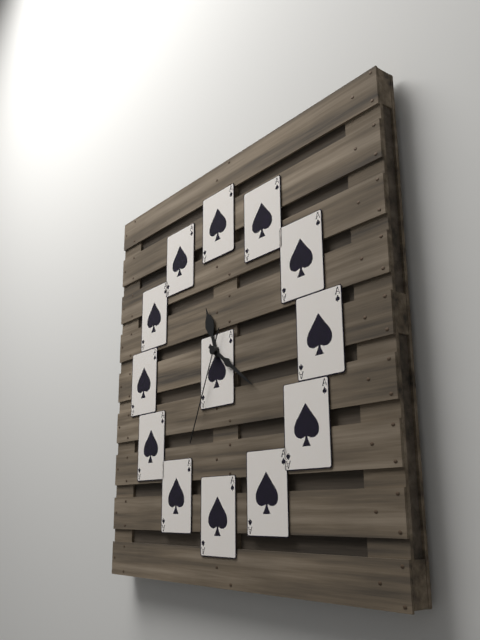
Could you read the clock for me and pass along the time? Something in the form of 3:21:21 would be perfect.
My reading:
11:21:34
